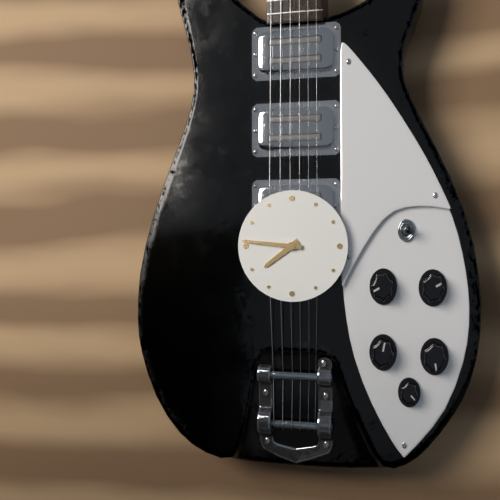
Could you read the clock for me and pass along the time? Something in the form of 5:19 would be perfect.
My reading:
7:46
